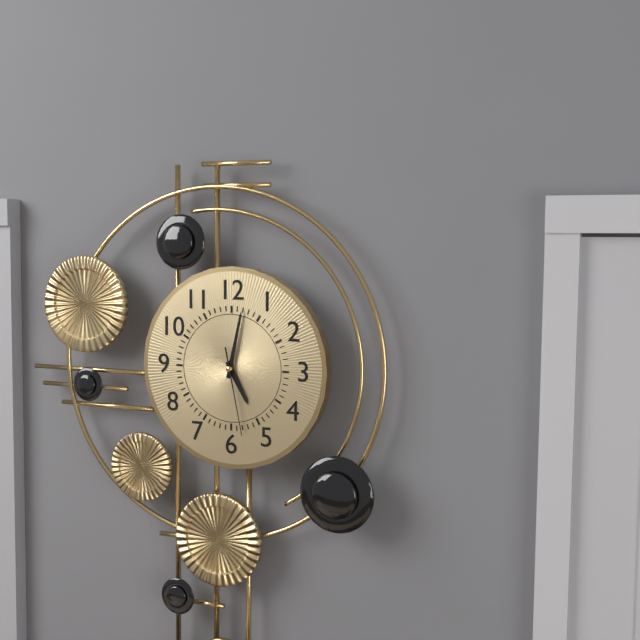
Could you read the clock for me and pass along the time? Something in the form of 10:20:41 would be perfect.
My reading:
5:02:28
